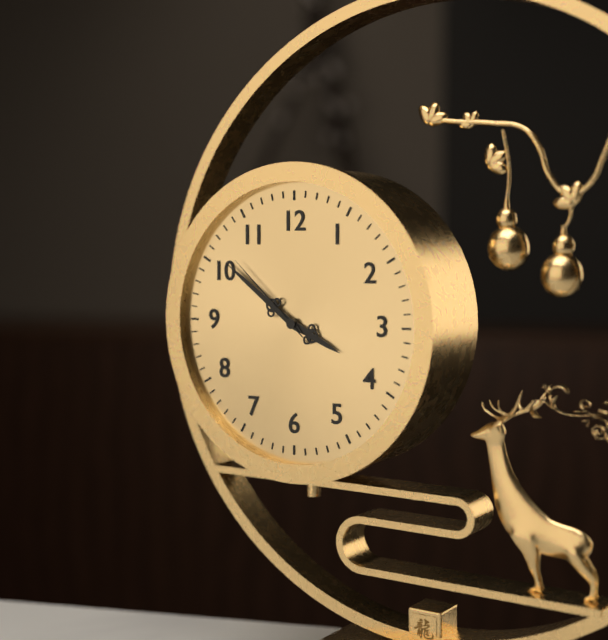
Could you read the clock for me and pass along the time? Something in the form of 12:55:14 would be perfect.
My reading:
3:51:52
